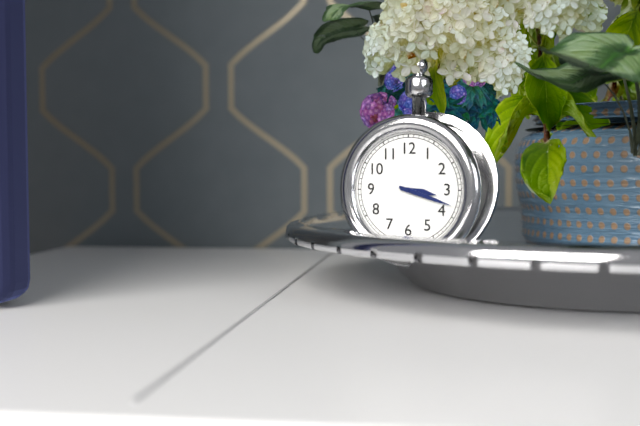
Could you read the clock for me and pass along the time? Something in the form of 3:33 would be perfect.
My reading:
3:18
